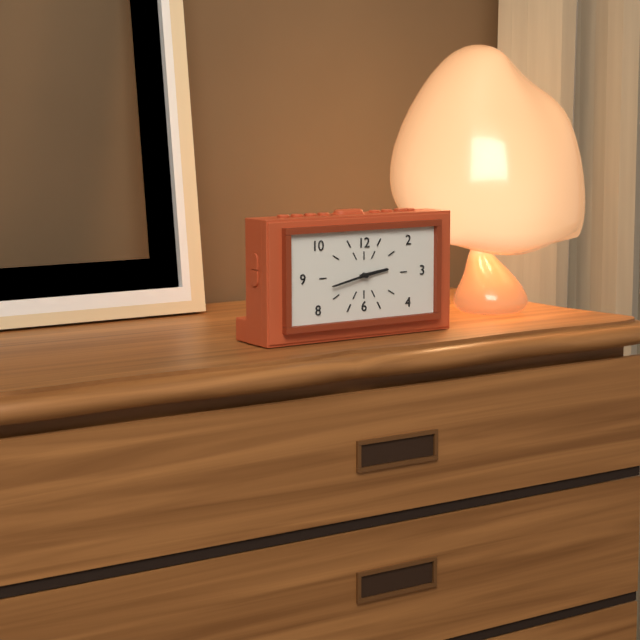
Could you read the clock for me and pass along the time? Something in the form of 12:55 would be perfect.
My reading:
2:43
